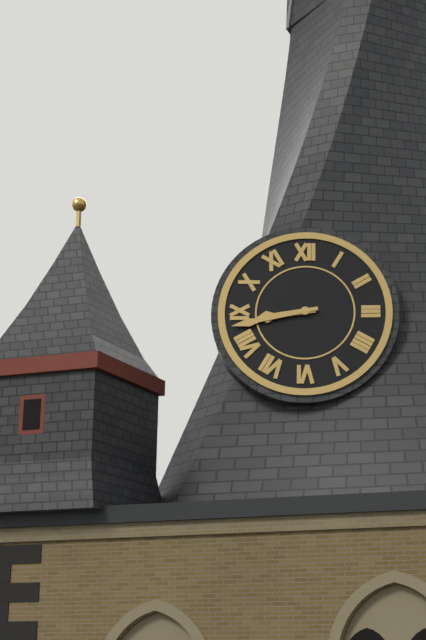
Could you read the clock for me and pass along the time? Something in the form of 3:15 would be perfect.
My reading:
8:43
